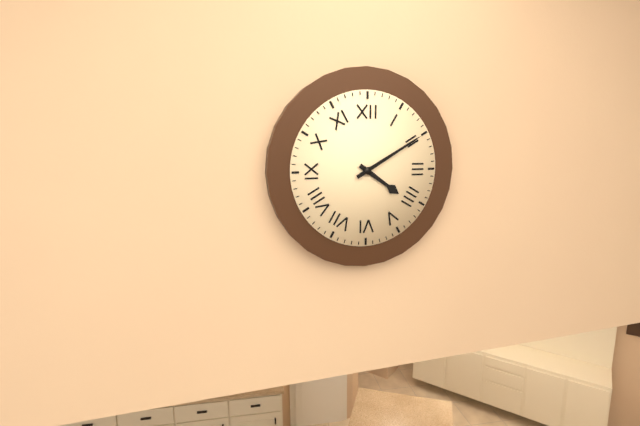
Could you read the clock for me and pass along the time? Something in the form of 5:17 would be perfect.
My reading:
4:10
